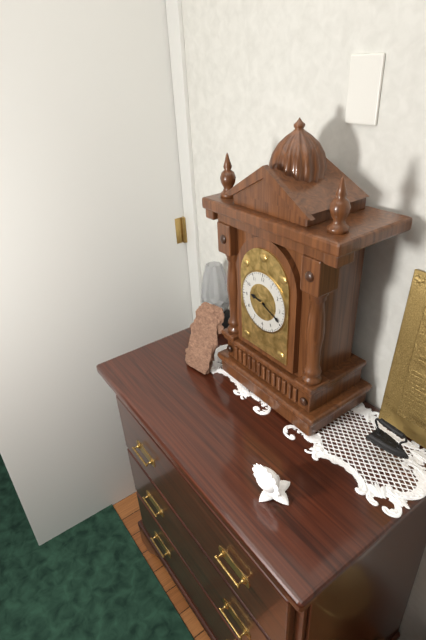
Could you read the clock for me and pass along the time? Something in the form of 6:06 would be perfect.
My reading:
9:19
